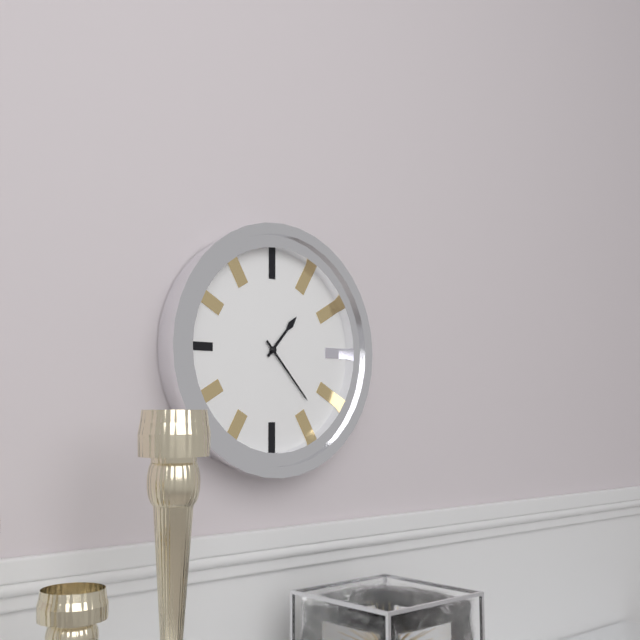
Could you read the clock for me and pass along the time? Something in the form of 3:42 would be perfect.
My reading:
1:23
